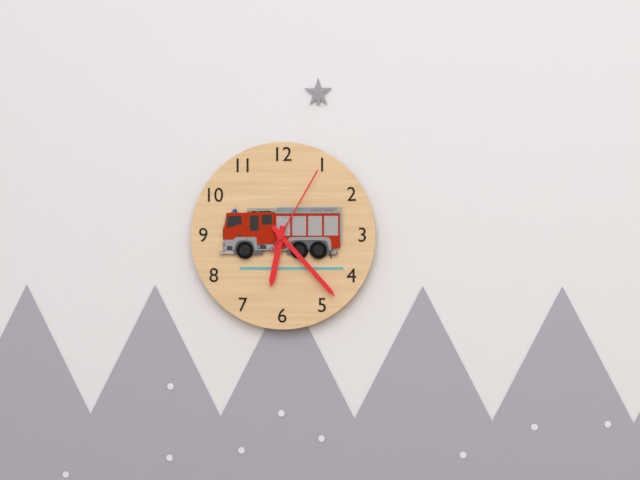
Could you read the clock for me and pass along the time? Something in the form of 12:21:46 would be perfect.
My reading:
6:23:05
